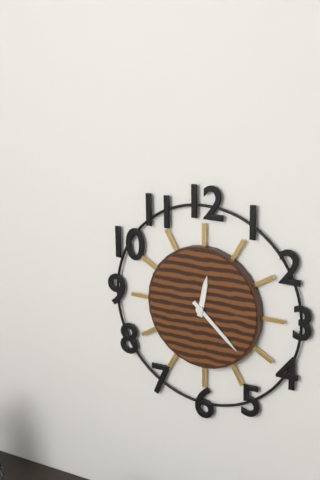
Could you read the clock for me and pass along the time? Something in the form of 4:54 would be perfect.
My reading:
12:22
